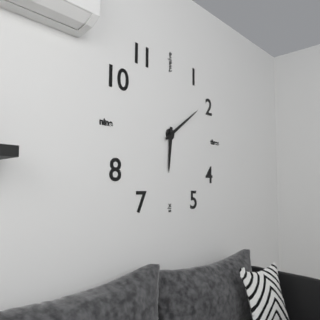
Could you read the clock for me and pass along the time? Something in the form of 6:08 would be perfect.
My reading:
6:09
